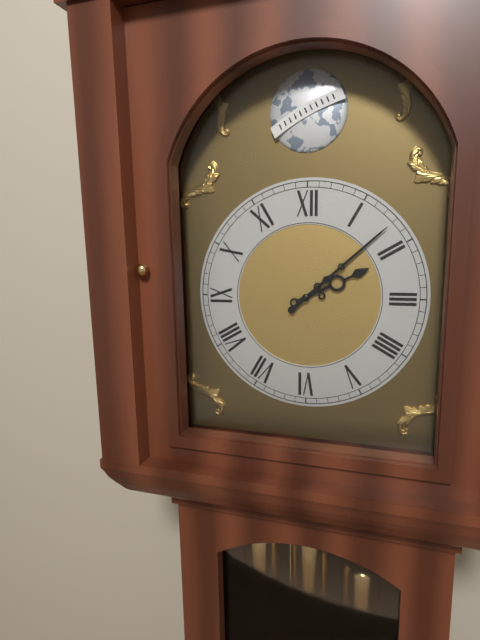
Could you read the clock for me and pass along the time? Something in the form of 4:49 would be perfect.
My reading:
2:08
